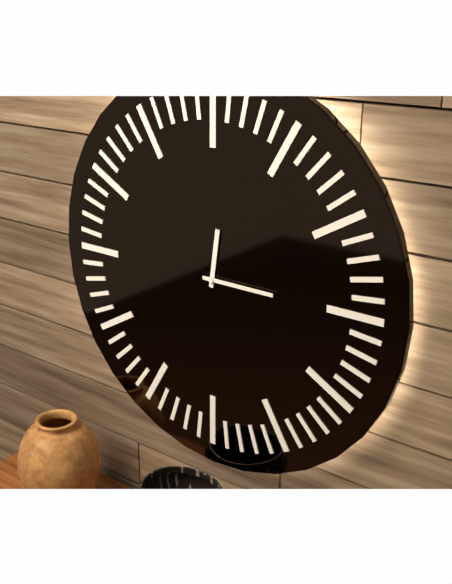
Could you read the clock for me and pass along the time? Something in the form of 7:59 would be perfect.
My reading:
12:15
